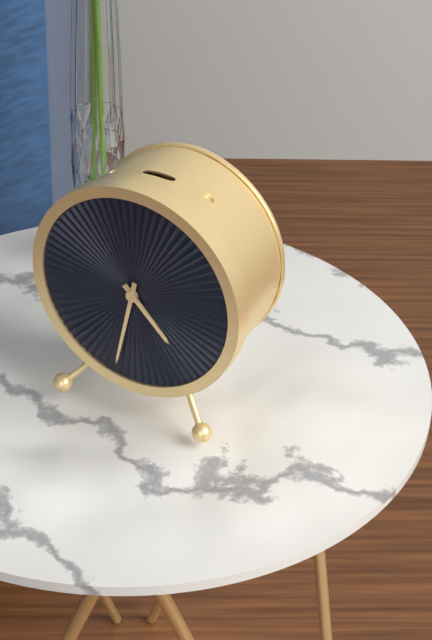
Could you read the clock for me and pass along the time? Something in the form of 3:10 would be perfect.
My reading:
4:32
